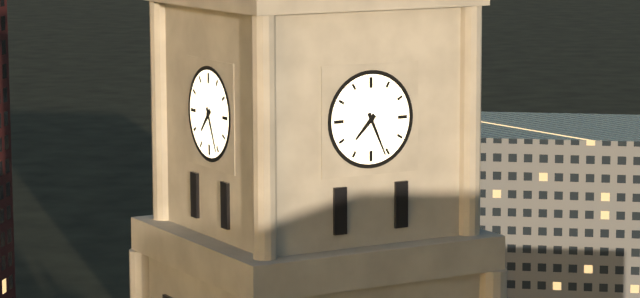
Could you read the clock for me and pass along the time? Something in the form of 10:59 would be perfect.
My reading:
7:26
